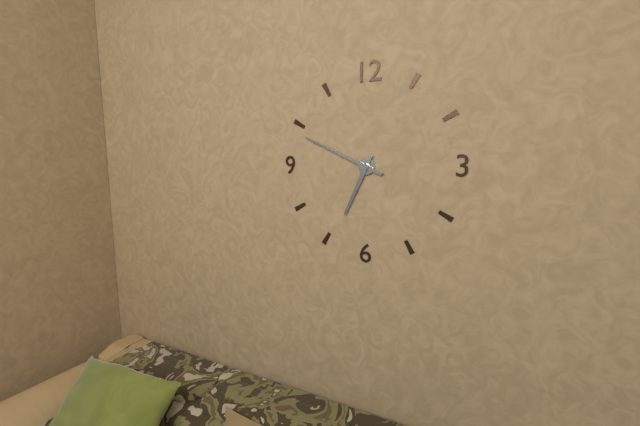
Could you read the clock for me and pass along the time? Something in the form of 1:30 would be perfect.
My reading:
6:49
